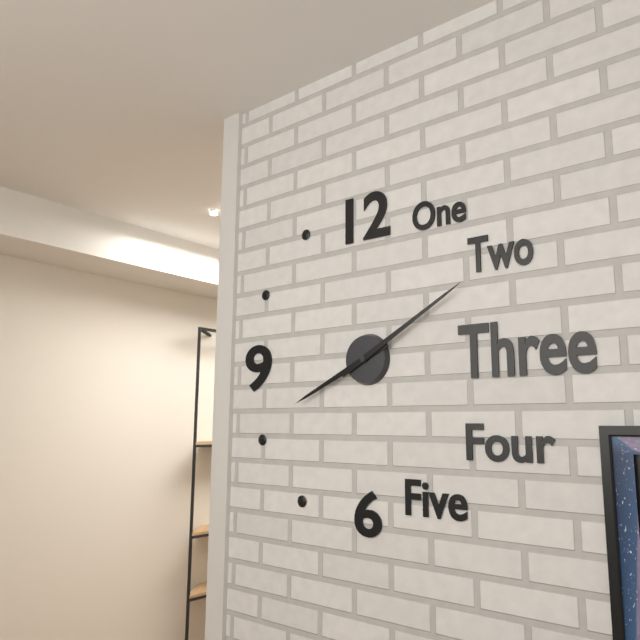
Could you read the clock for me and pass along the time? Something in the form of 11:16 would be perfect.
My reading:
8:10
